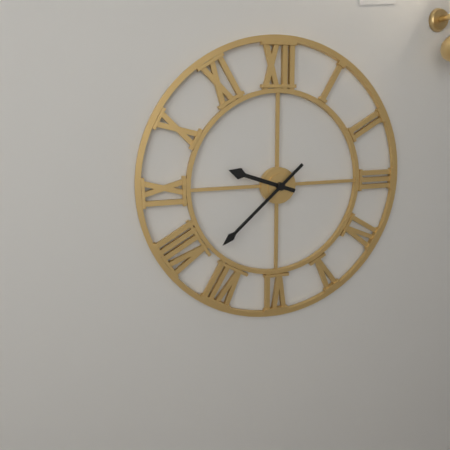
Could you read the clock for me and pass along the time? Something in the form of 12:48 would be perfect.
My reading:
9:38
